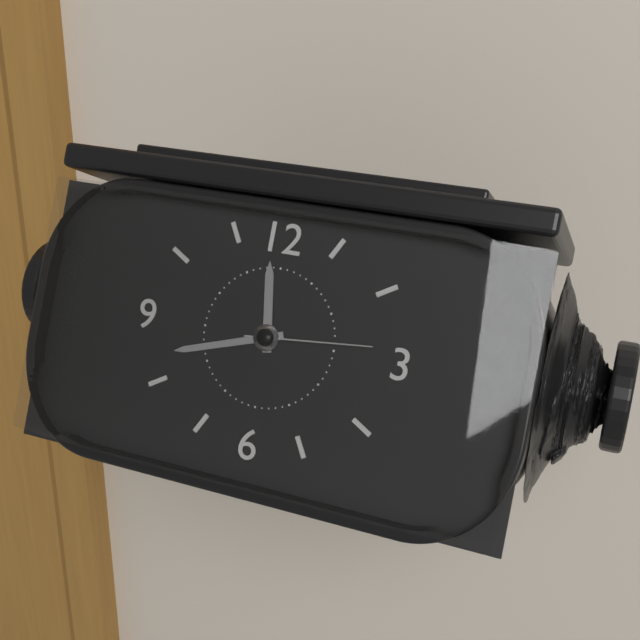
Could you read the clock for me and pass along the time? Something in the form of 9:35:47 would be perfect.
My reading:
11:42:14
